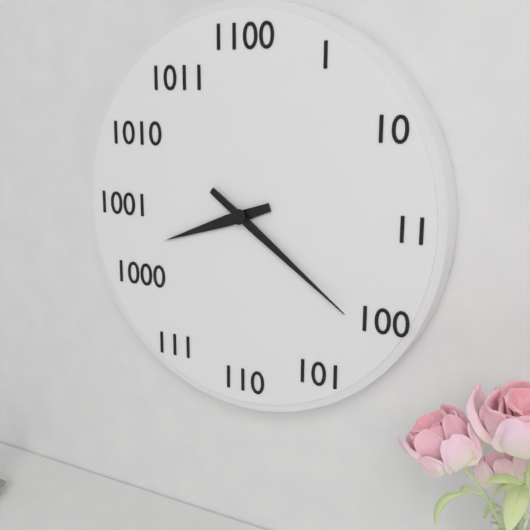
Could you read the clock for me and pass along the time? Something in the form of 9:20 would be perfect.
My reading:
8:21
